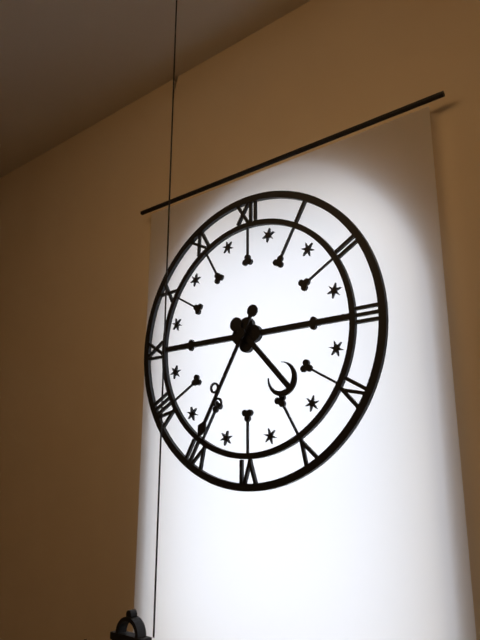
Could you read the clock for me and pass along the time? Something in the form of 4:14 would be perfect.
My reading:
4:35
